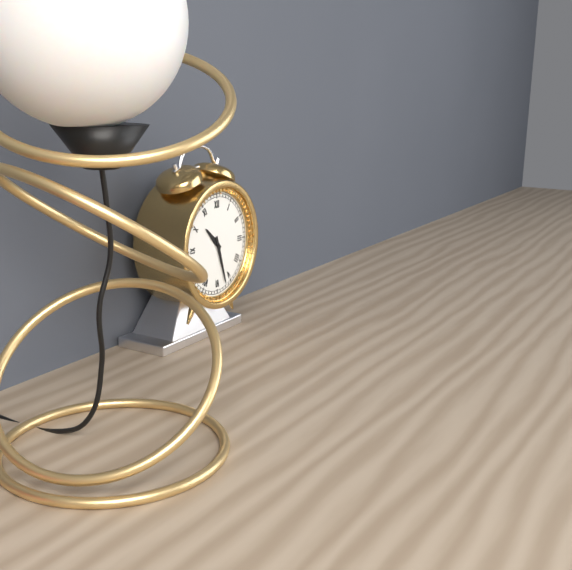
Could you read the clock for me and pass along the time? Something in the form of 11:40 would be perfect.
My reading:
10:27
